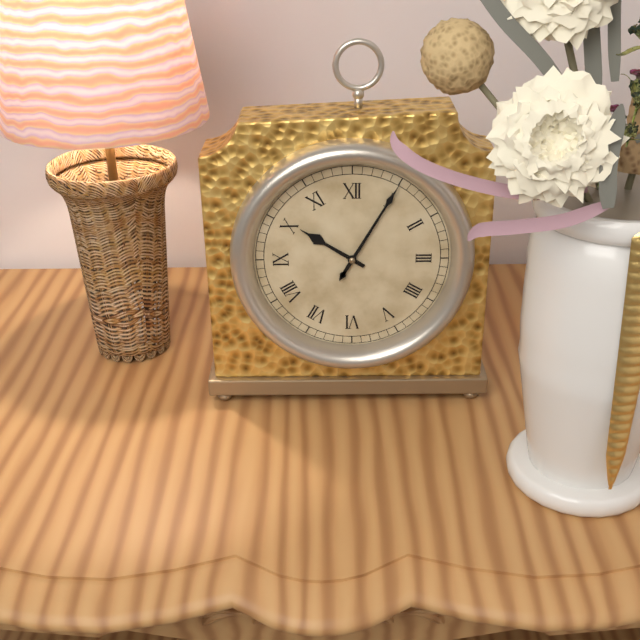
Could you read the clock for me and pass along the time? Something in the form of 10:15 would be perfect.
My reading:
10:05
